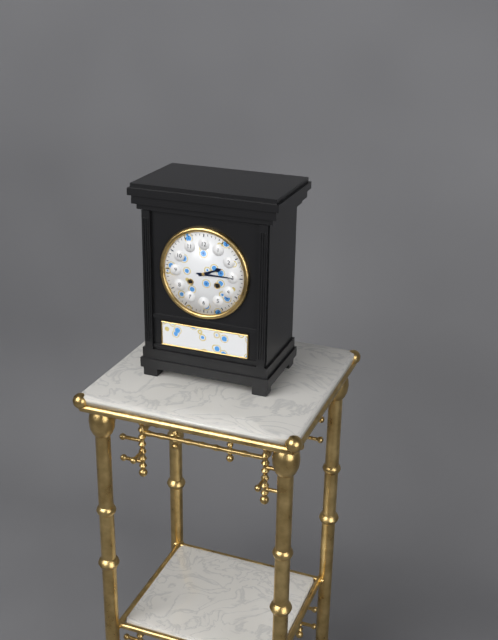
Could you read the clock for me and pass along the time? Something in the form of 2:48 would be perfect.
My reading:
2:15
